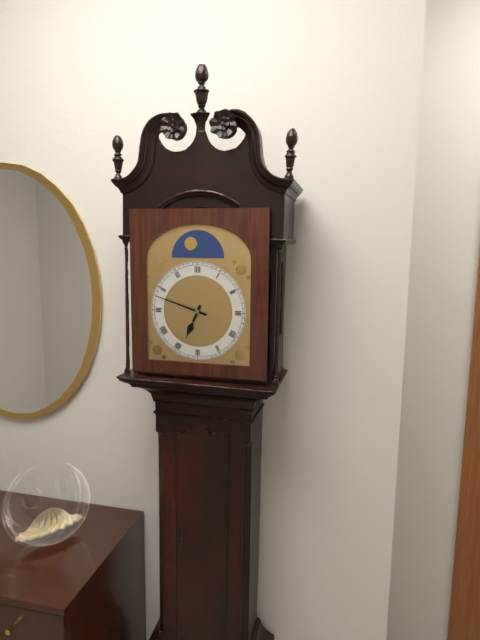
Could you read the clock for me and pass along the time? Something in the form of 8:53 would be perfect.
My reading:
6:48
